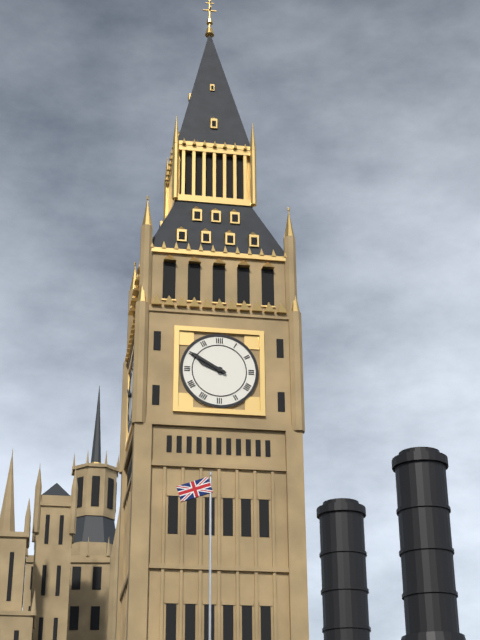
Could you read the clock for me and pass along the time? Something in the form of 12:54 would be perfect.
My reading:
9:50
